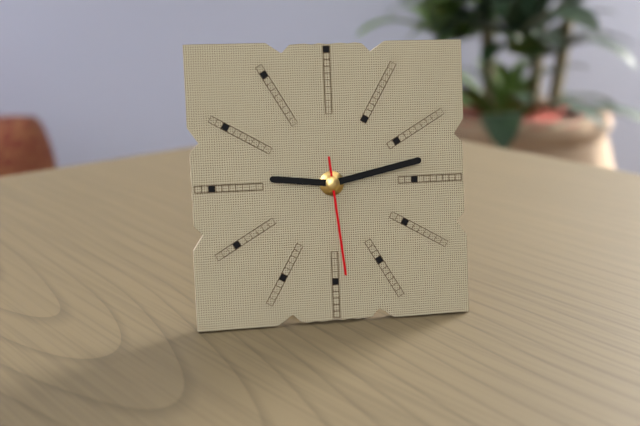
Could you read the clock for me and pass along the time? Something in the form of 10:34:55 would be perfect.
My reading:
9:13:29
